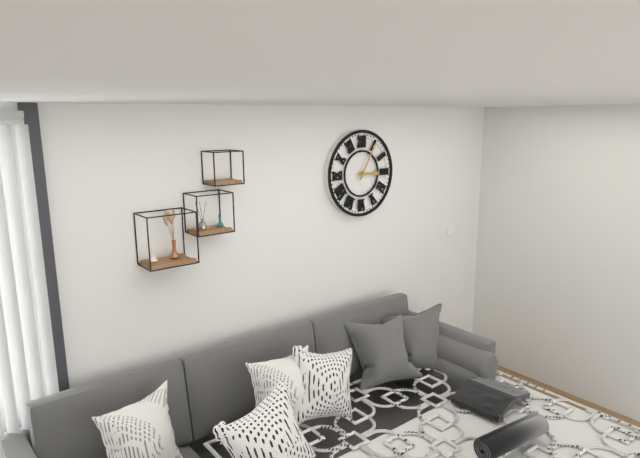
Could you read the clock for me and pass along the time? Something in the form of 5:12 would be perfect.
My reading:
3:05
